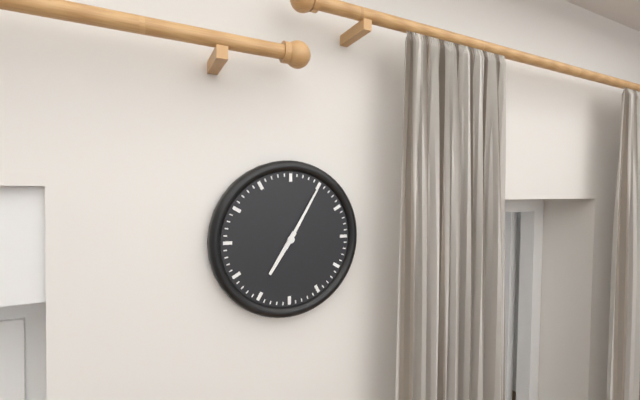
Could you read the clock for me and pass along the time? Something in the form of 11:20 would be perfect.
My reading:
7:05
